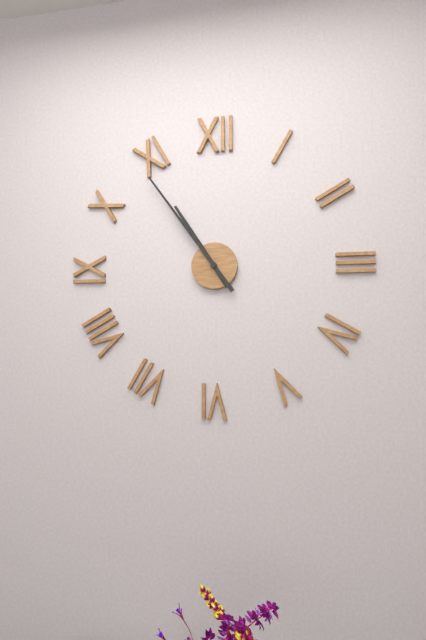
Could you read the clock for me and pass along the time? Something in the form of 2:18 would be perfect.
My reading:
10:54
